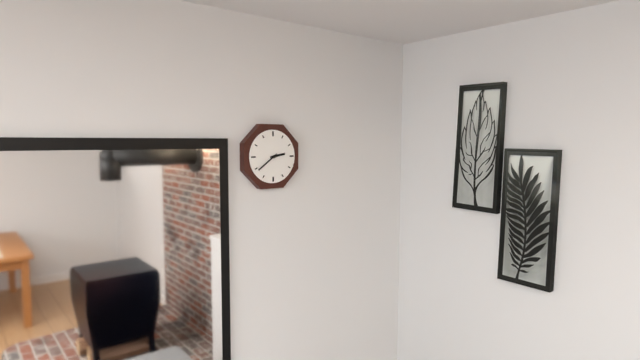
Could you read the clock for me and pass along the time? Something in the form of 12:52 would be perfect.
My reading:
2:39
